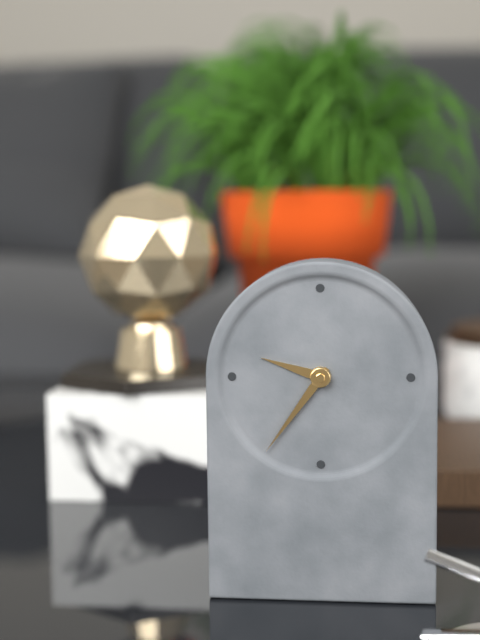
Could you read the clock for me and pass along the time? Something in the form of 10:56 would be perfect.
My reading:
9:36
